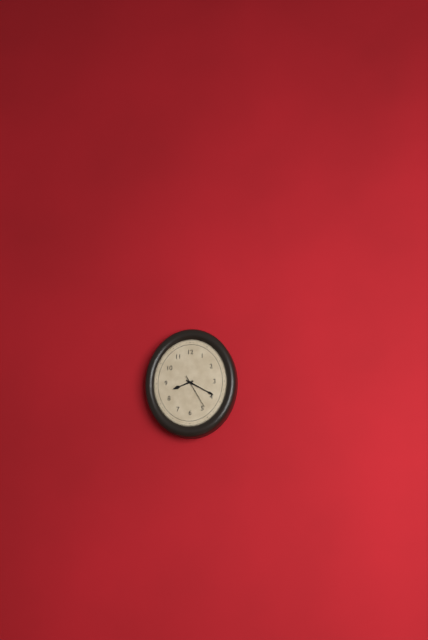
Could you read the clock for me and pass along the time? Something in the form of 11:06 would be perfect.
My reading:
8:20
